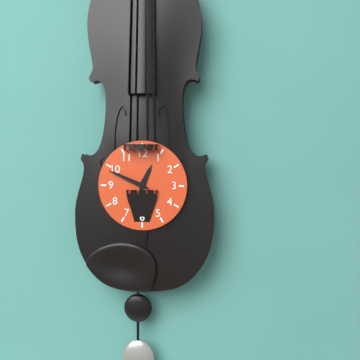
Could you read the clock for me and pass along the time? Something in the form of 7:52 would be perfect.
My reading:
12:49
